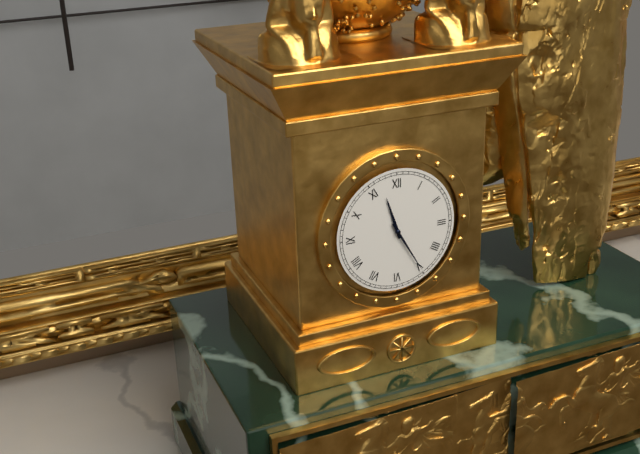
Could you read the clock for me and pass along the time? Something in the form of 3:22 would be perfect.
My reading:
11:25
